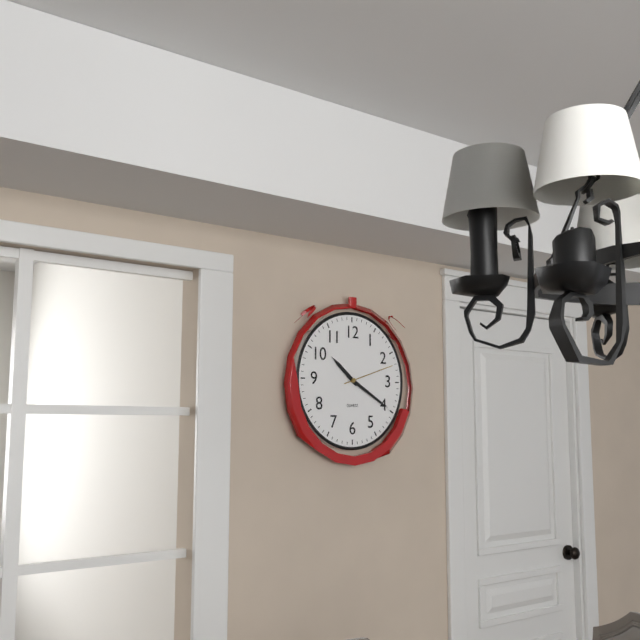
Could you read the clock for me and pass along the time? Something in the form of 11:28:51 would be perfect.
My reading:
10:20:12
